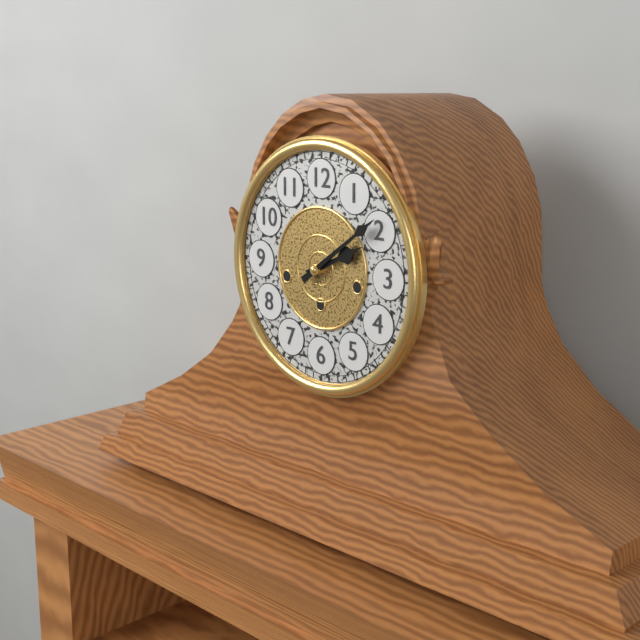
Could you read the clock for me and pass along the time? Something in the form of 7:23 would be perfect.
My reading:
2:09
